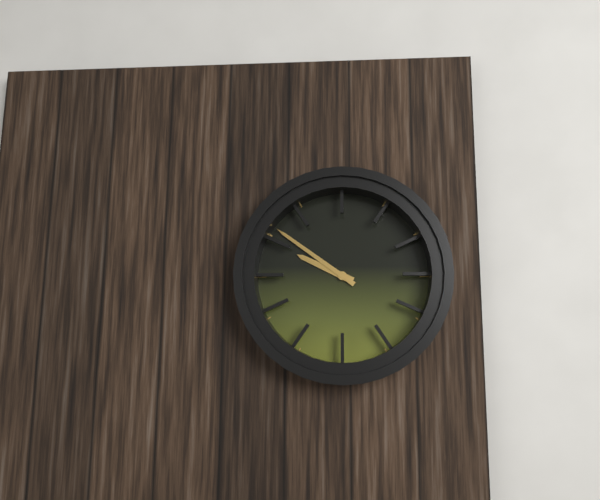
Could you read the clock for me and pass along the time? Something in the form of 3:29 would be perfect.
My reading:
9:51
